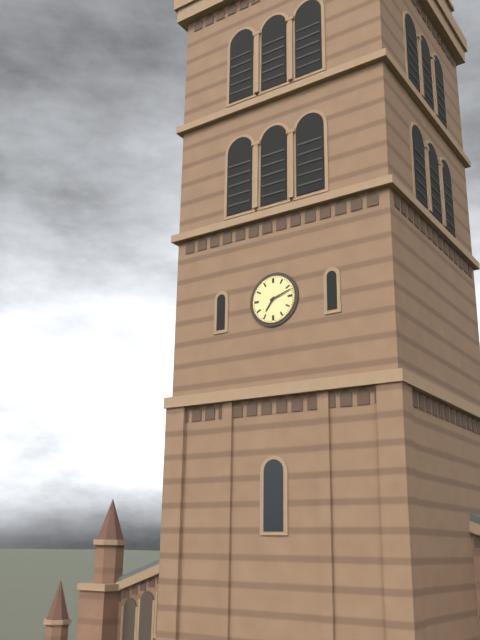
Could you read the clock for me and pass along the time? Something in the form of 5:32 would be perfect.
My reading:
7:12
